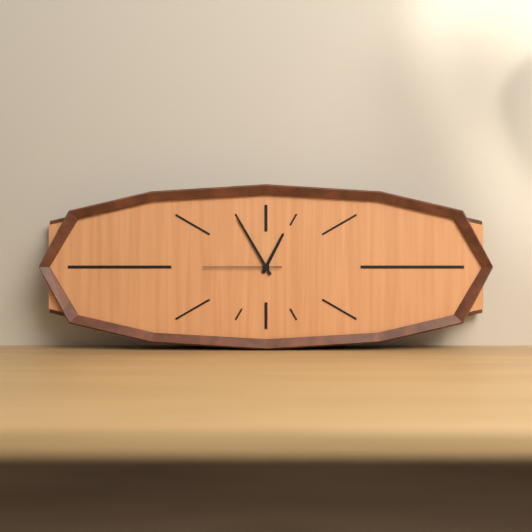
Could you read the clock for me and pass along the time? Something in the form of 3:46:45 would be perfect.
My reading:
12:55:45
